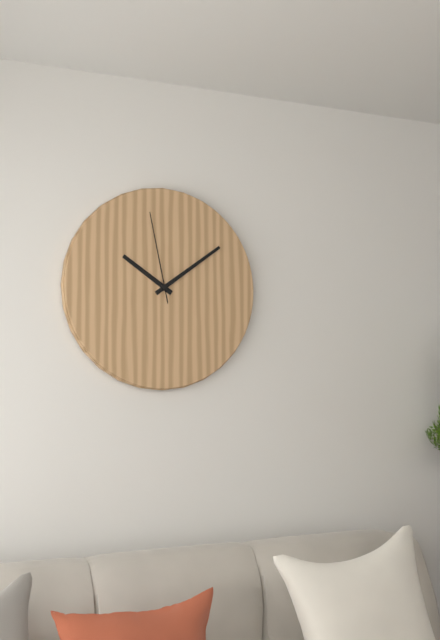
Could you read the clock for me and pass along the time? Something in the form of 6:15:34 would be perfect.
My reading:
10:09:58
